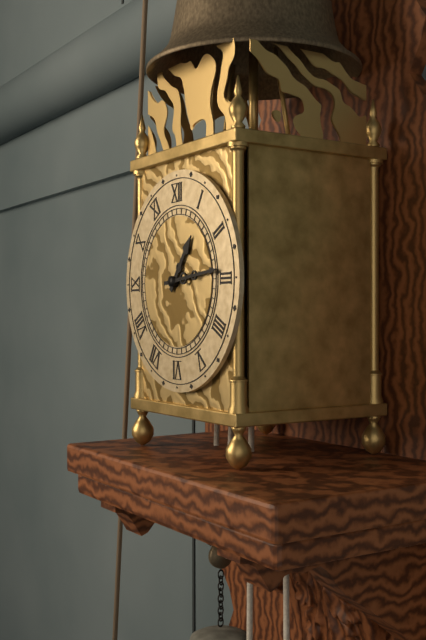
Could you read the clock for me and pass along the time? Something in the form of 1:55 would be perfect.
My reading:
1:14
